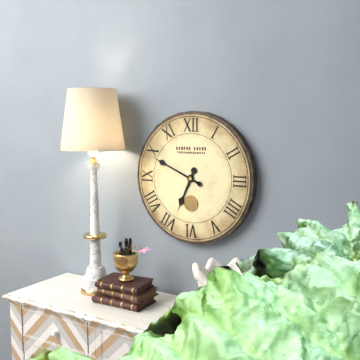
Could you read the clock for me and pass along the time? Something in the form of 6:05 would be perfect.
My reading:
6:49
